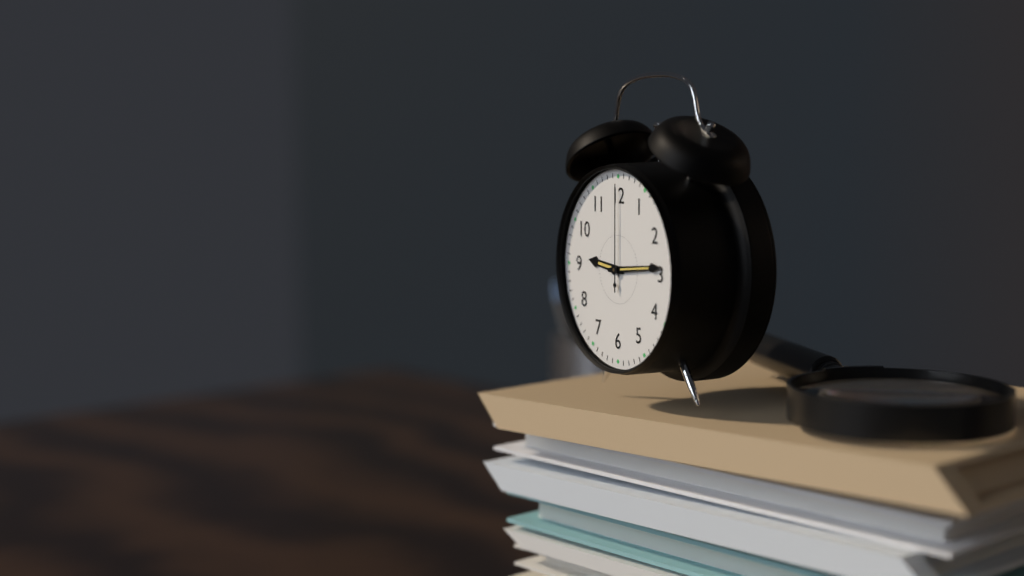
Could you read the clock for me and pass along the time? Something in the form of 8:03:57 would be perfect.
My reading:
9:14:00
